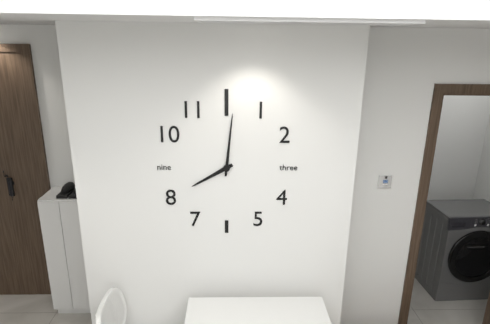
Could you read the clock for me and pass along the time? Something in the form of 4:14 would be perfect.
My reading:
8:01
